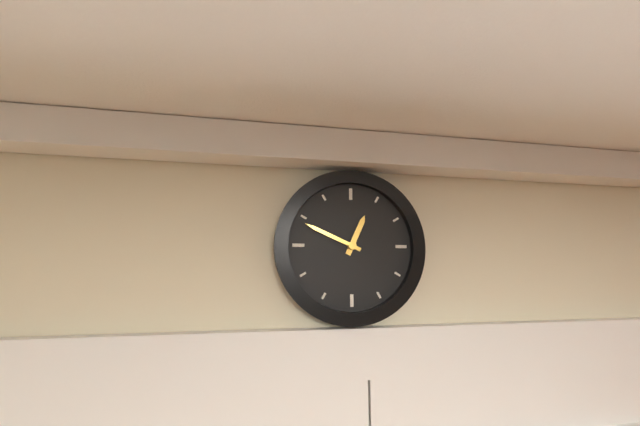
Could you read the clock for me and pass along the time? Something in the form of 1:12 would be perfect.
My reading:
12:49
